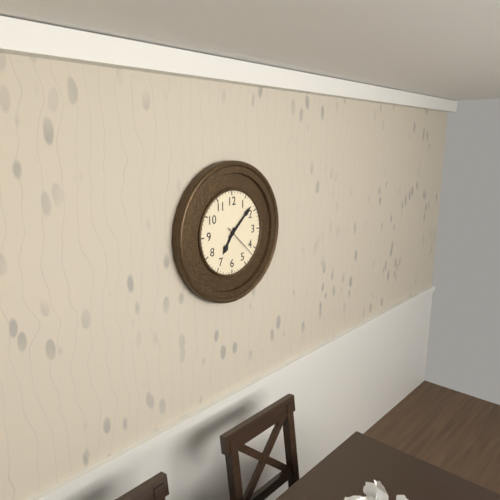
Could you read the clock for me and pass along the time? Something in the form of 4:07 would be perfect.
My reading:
7:08
